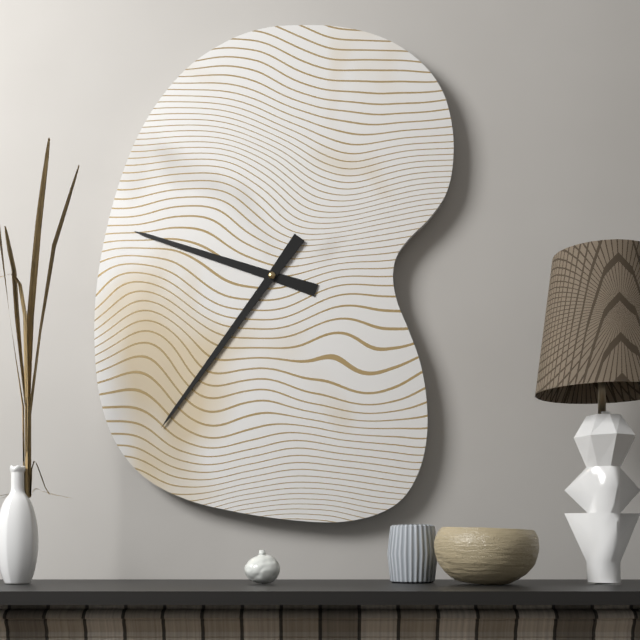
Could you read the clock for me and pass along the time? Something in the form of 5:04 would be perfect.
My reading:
9:36
